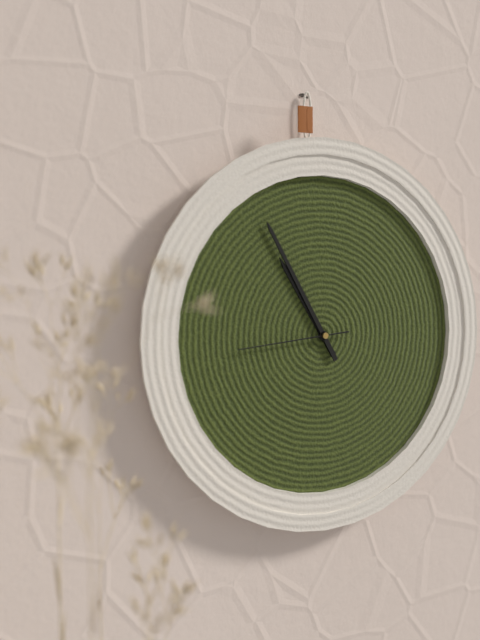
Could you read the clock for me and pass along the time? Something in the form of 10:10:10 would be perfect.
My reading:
10:55:44
